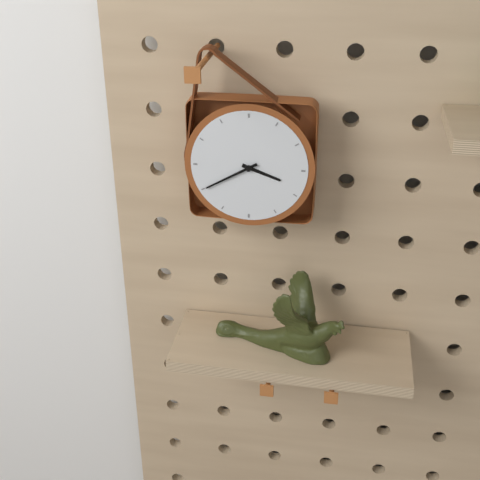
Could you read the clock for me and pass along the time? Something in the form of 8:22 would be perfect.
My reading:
3:40
